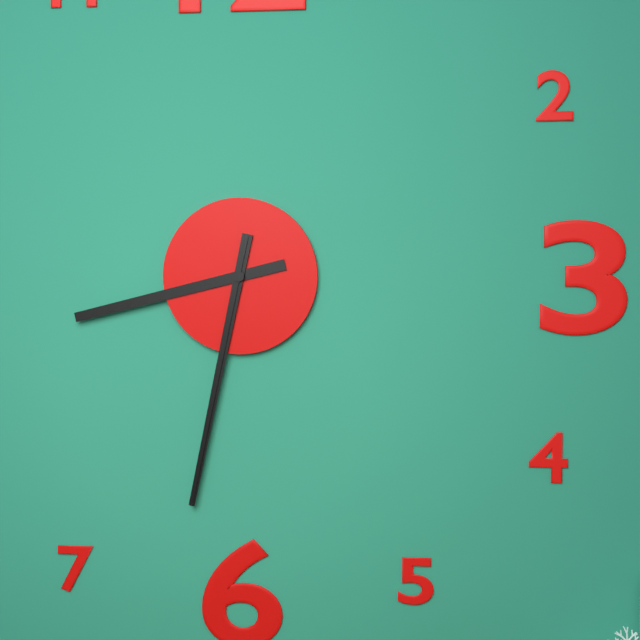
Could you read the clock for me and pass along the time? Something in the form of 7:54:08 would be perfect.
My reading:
8:32:32
